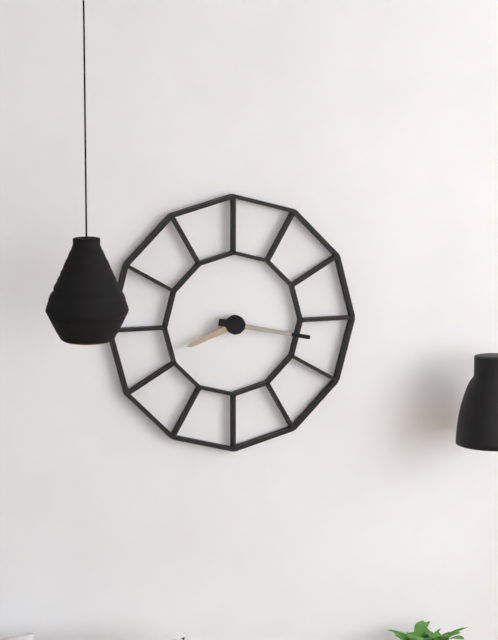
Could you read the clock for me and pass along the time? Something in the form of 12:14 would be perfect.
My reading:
8:17
